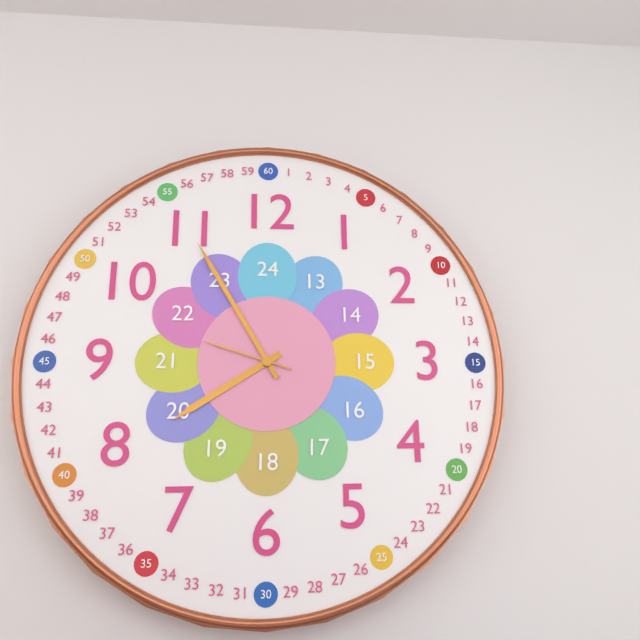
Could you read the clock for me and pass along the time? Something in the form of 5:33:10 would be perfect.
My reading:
7:55:48
